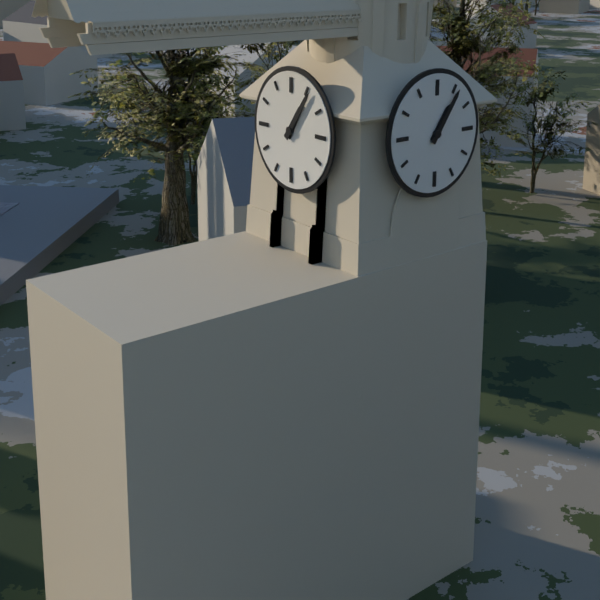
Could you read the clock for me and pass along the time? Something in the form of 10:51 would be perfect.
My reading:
1:06
